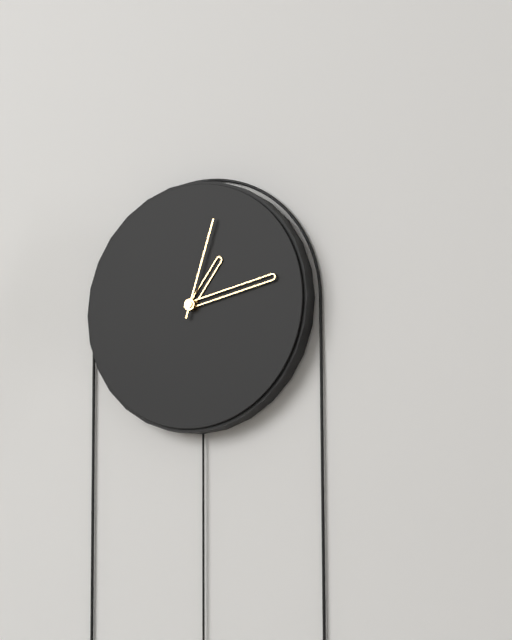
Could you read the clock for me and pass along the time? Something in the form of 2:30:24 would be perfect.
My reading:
1:13:03
